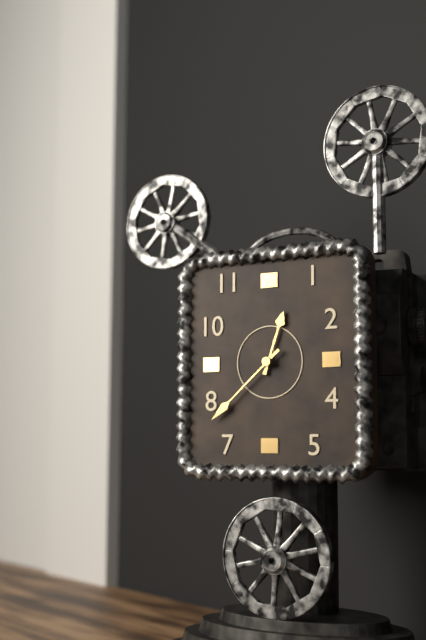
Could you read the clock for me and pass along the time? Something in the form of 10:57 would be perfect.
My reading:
12:38
